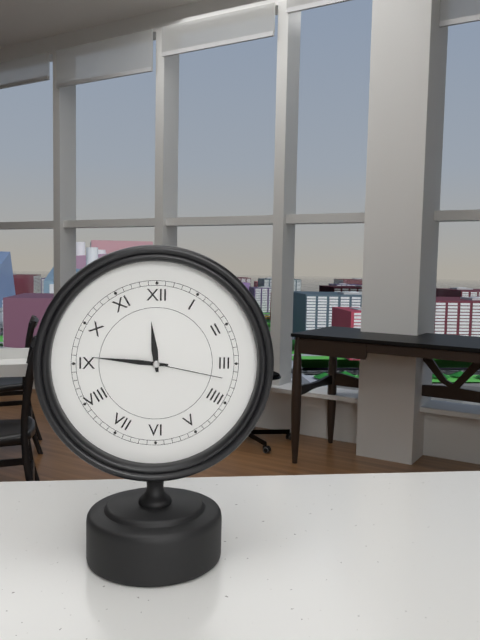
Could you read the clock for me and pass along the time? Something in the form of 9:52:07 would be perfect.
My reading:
11:46:17
